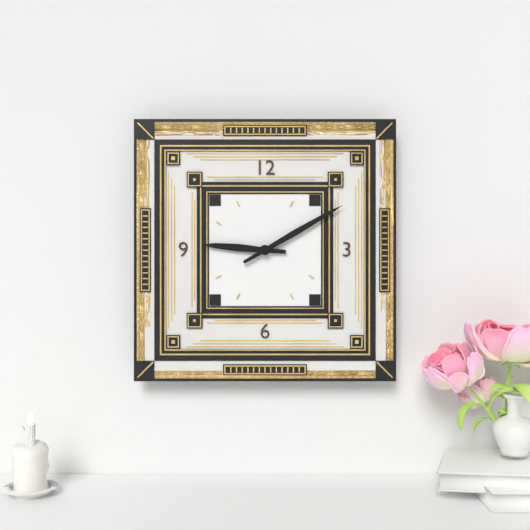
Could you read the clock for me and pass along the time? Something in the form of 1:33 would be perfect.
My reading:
9:10
